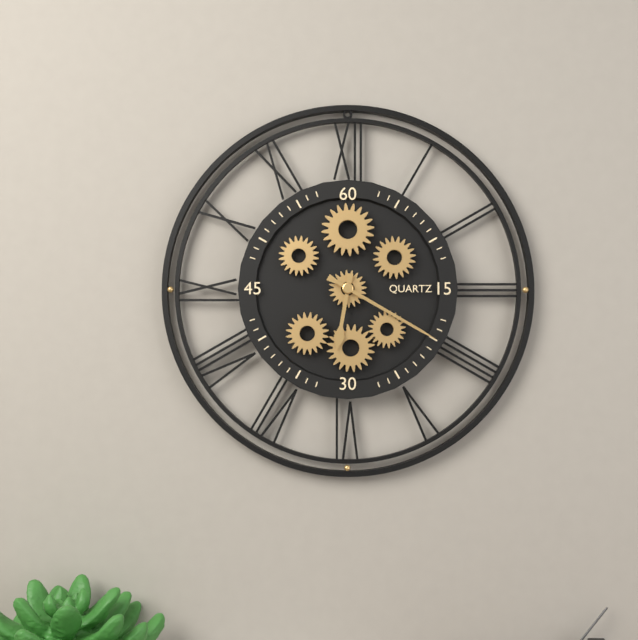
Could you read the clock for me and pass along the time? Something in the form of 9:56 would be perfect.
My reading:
6:20
